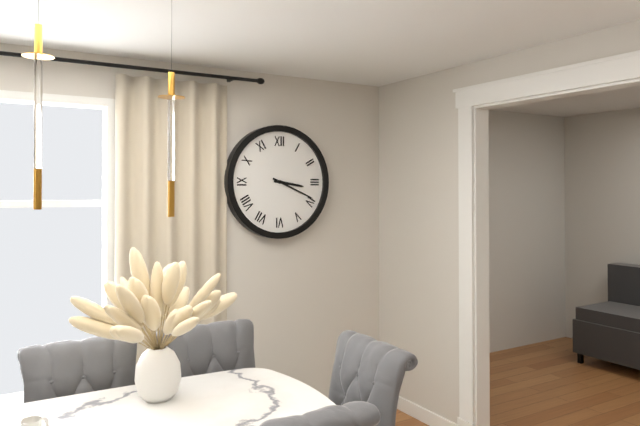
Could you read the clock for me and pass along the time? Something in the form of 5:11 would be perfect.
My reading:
3:19
